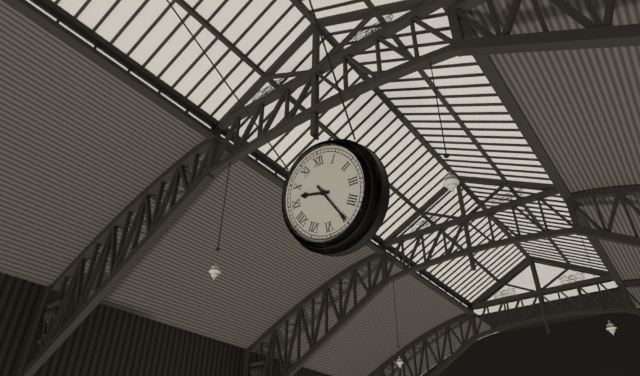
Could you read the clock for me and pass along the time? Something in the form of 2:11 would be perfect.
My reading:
9:25
